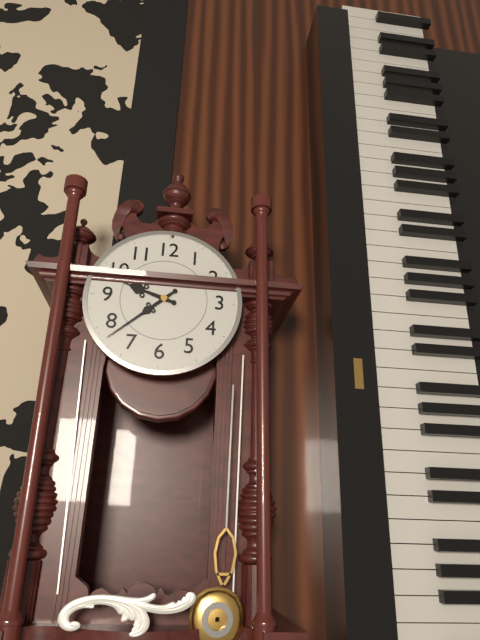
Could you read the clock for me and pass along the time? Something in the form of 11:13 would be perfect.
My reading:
9:38
